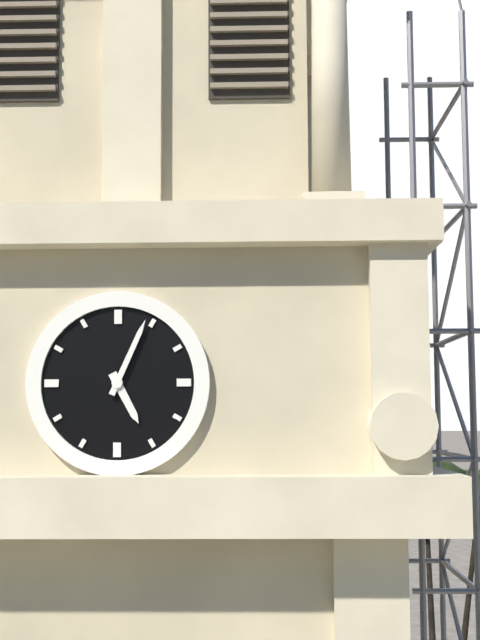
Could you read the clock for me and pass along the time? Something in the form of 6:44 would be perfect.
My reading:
5:04
